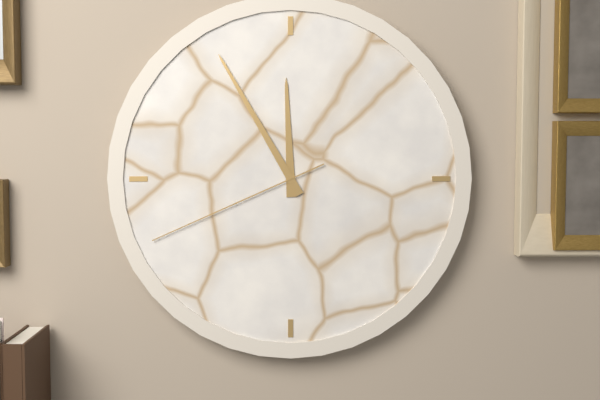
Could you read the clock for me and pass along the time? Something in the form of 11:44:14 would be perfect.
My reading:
11:55:41
